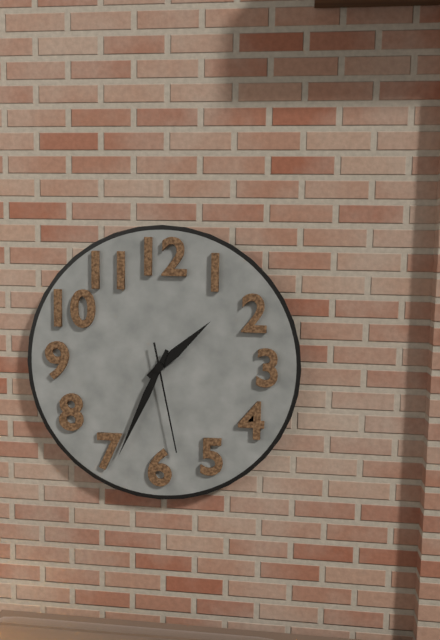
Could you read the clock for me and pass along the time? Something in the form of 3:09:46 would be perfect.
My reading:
1:34:28
